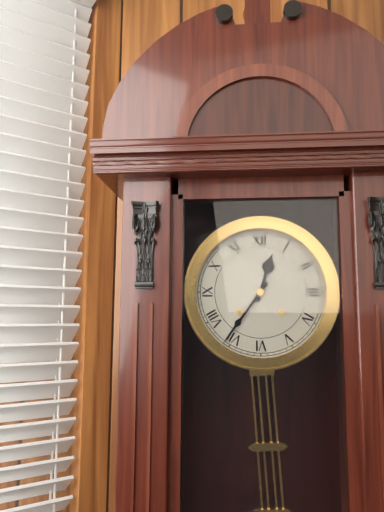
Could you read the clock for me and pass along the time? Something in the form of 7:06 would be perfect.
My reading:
12:36
